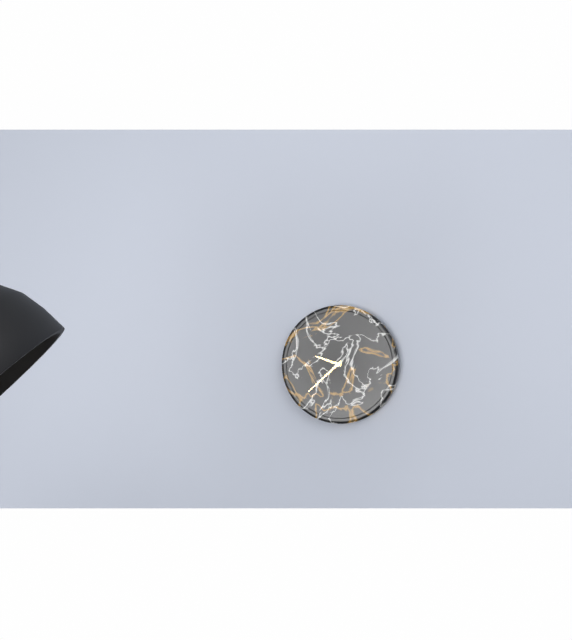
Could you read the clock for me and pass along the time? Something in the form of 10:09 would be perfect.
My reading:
9:38
